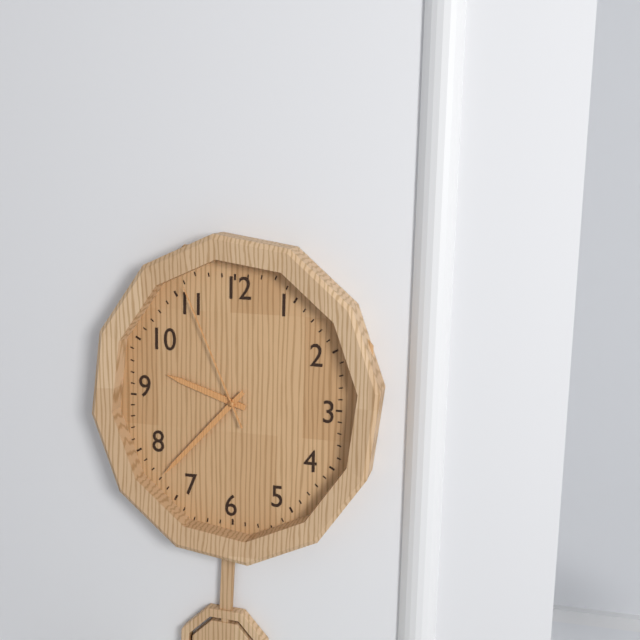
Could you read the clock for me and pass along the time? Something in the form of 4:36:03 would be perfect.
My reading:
9:37:56
